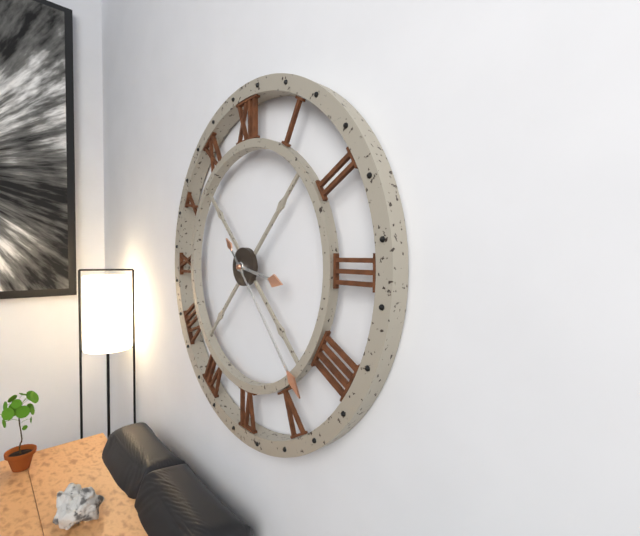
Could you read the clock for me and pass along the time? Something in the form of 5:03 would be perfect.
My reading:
3:23
